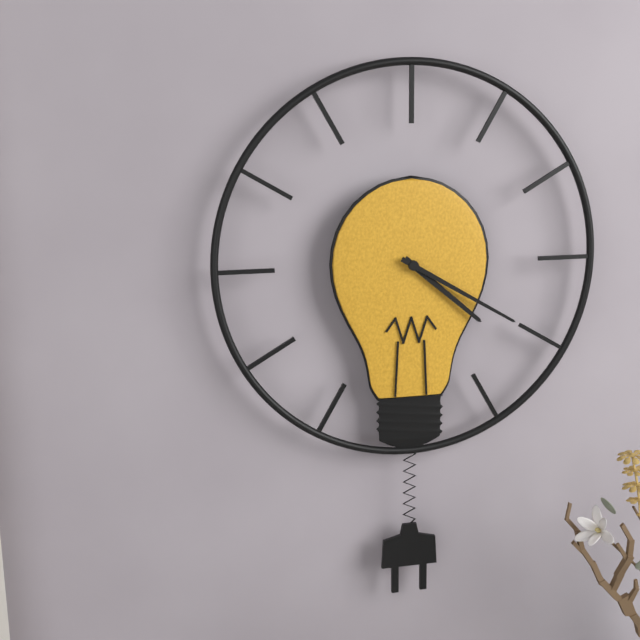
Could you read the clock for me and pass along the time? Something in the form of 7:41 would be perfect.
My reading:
4:20
